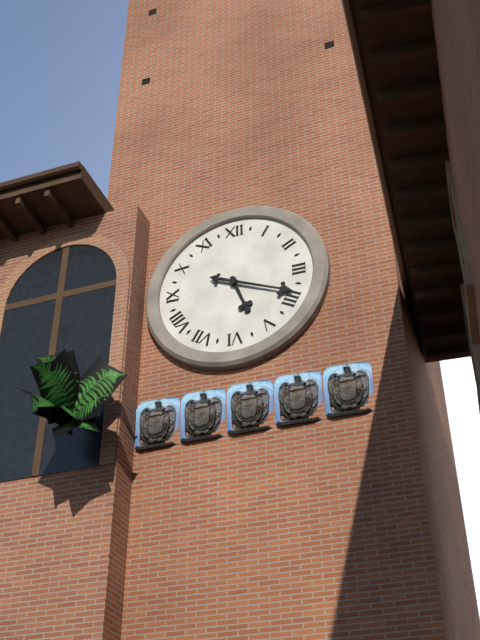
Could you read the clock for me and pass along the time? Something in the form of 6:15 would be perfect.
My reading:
5:19
